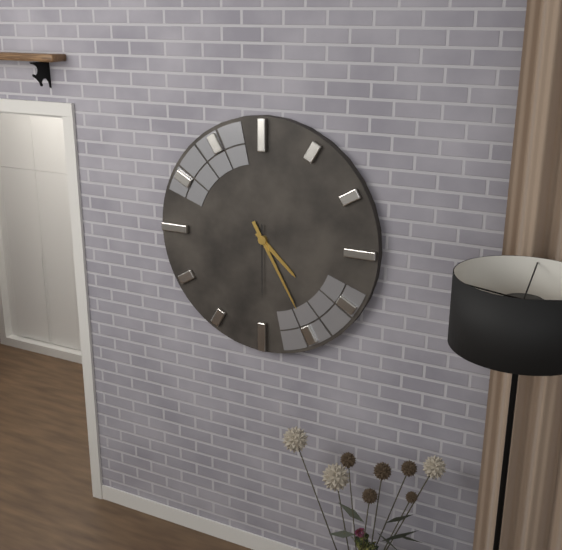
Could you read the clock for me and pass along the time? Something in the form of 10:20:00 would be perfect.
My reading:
4:25:30
